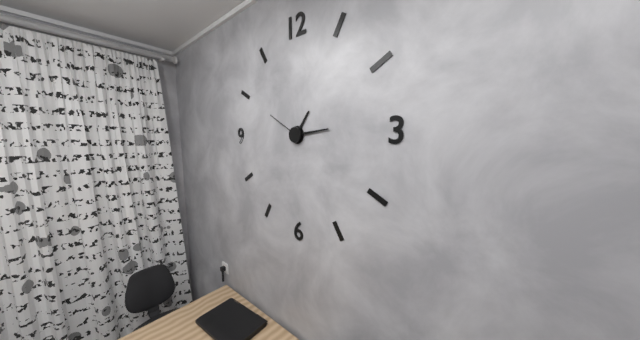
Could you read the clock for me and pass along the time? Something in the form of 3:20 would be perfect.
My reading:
1:14
